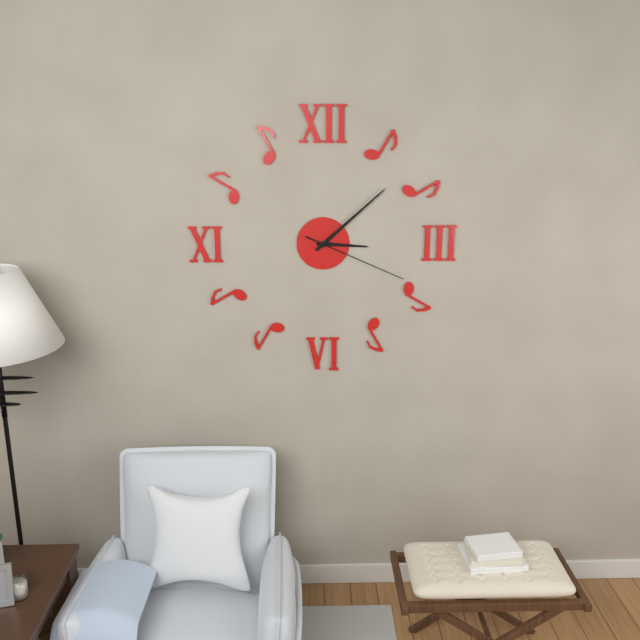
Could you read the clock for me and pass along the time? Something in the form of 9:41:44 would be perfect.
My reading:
3:08:19
